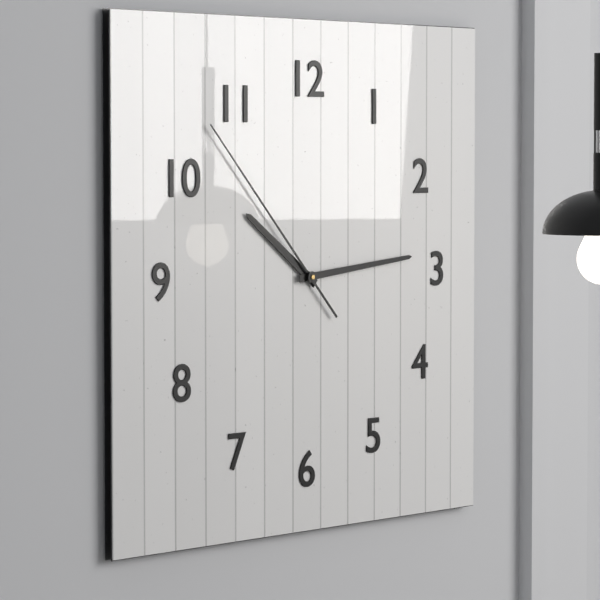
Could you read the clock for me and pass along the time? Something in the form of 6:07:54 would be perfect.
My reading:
10:14:53
